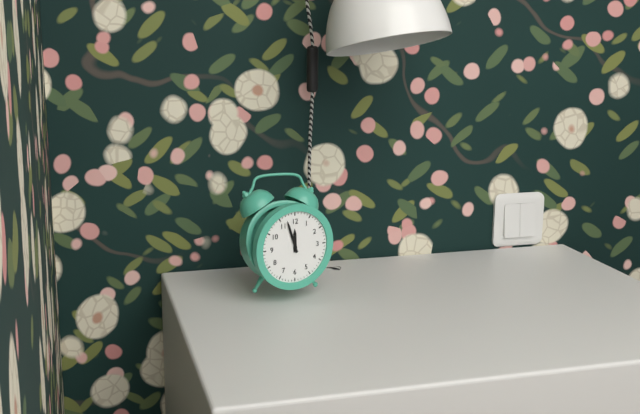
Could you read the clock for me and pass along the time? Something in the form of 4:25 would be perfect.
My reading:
11:57
